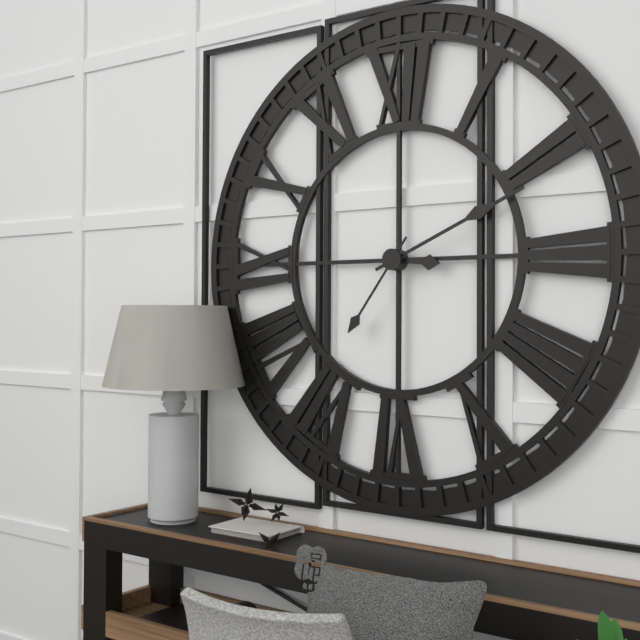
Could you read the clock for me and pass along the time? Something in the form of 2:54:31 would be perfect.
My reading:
3:11:36
